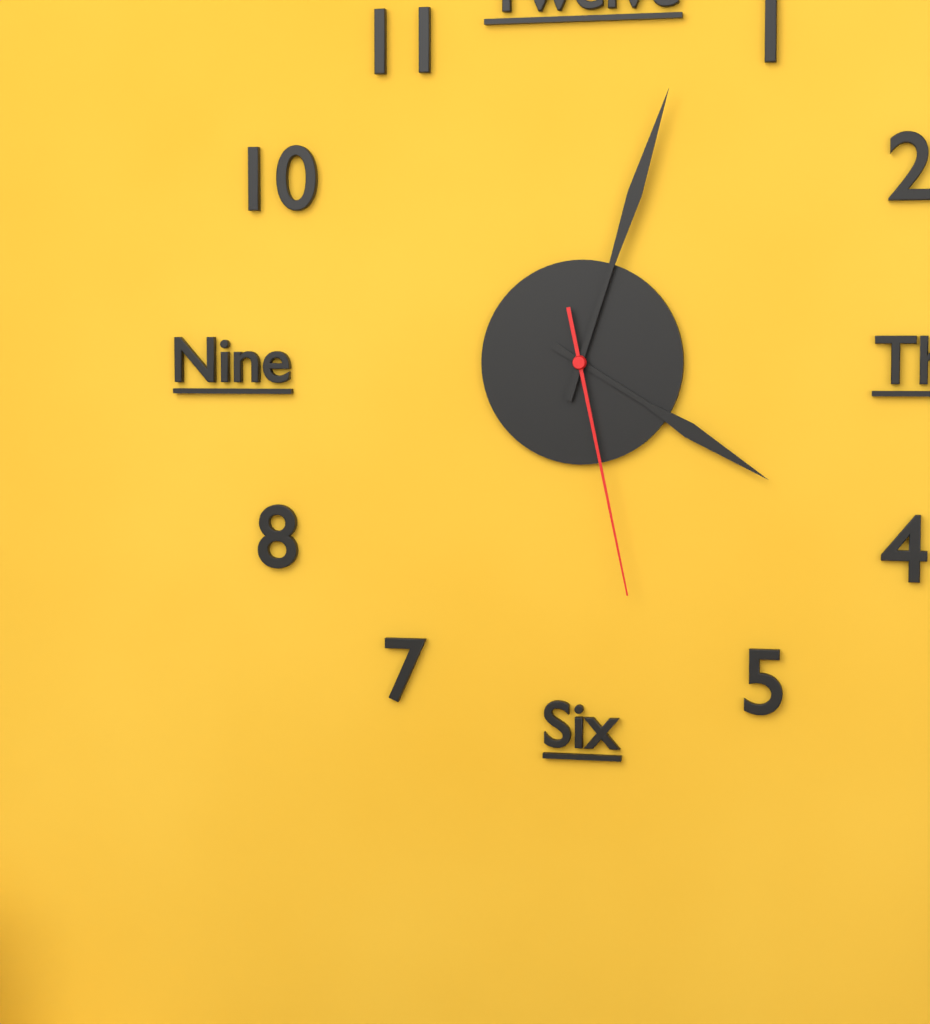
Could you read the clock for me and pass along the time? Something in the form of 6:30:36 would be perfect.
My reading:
4:03:28
